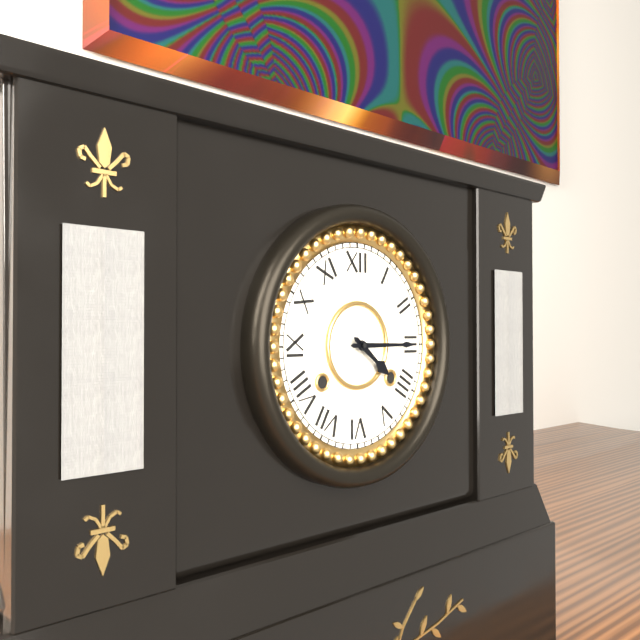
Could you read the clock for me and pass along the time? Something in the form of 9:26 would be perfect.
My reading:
4:15
